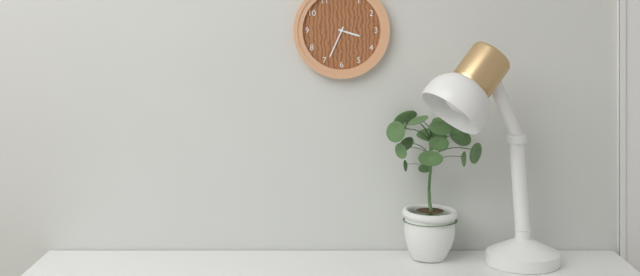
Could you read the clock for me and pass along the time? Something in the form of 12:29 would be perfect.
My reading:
3:34
